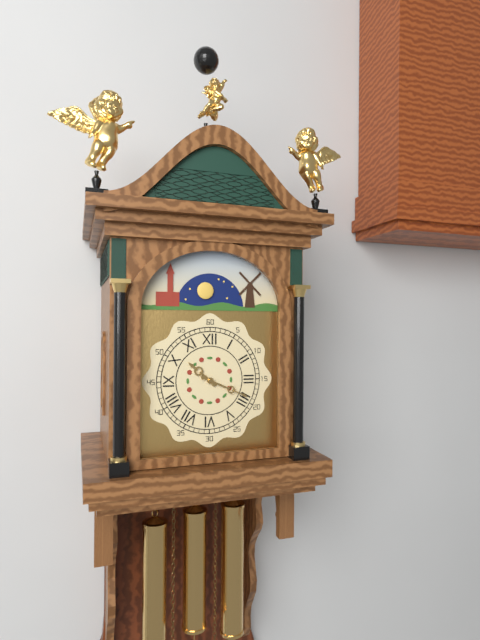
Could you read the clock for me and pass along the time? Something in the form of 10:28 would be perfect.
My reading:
10:19
